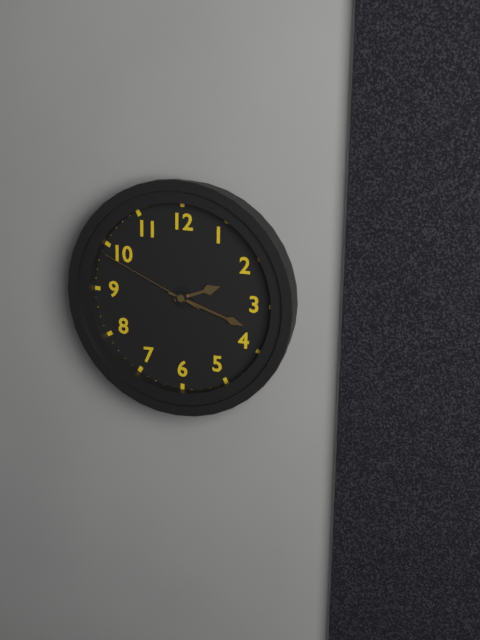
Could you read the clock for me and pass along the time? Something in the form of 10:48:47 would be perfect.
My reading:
2:18:49
